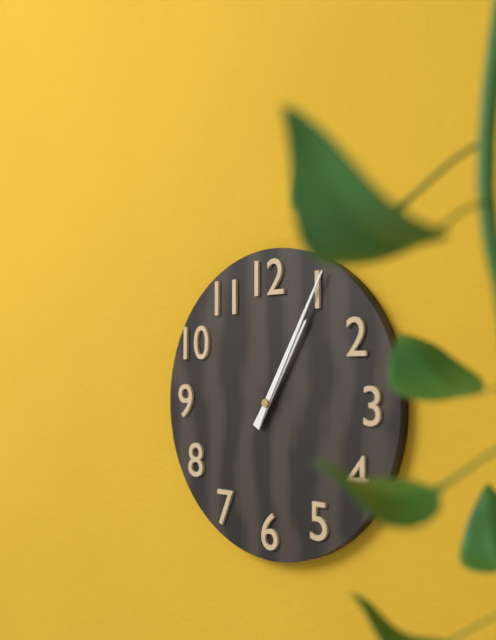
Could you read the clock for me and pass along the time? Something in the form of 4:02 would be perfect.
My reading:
1:05
